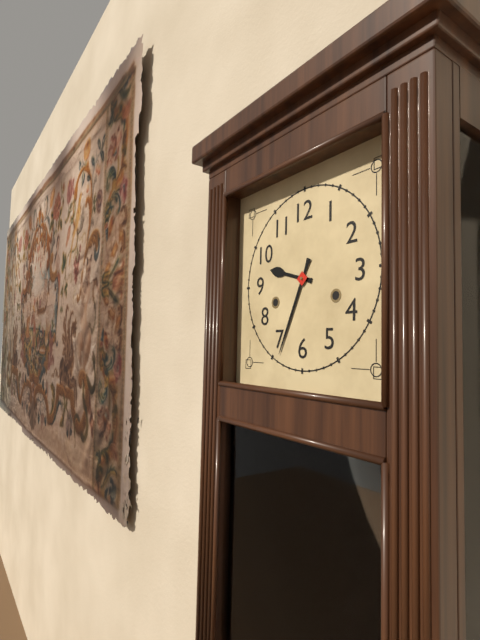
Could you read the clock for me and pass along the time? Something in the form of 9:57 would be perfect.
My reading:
9:34
